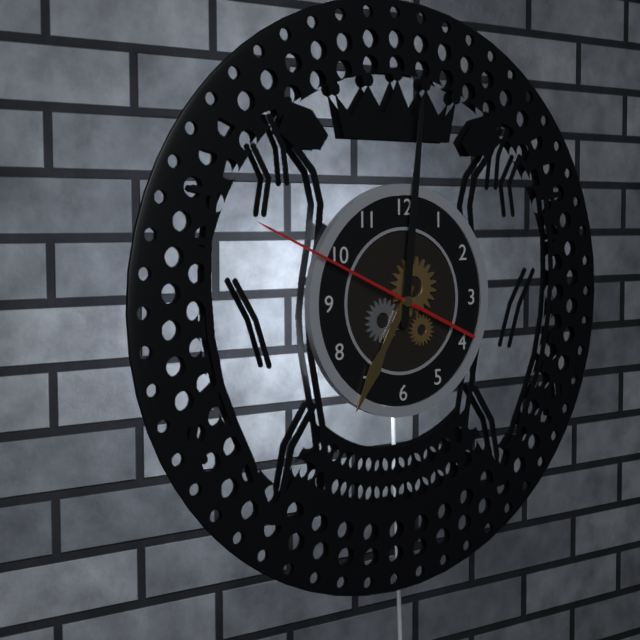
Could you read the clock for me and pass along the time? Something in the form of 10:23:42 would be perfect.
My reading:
7:01:49
